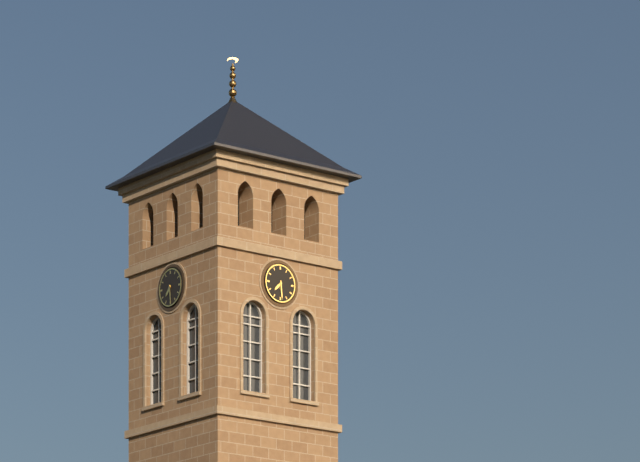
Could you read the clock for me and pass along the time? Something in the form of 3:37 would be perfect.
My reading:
7:29
